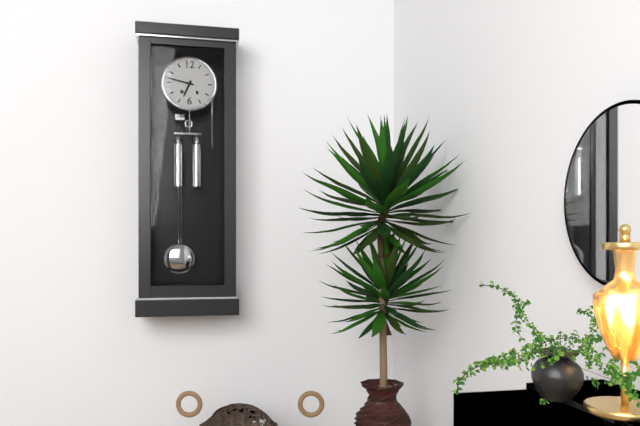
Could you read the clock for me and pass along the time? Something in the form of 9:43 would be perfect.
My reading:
6:47
